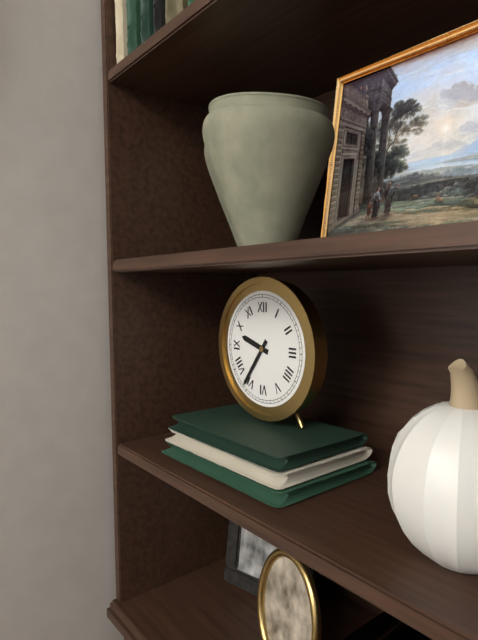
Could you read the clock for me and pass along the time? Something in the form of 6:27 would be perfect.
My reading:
9:36
